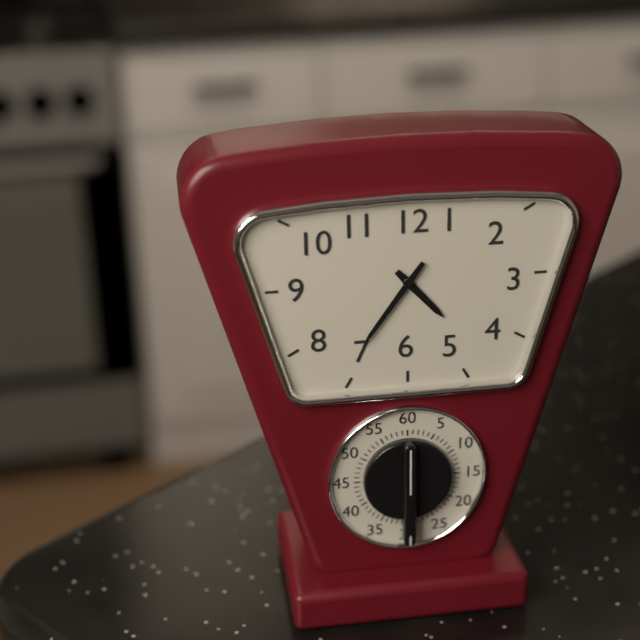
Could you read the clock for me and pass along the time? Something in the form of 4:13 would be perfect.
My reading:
4:36
